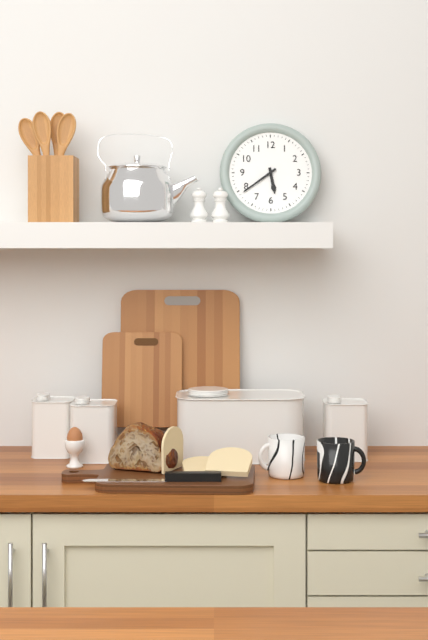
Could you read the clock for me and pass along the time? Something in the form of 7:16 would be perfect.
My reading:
5:39
